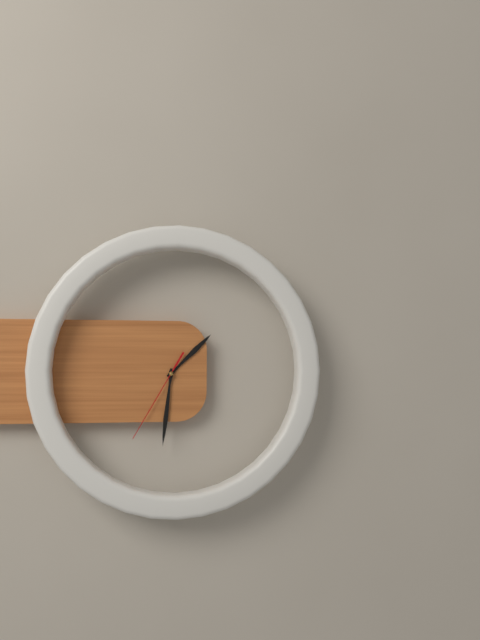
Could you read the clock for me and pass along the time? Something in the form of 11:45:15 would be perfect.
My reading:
1:31:35
